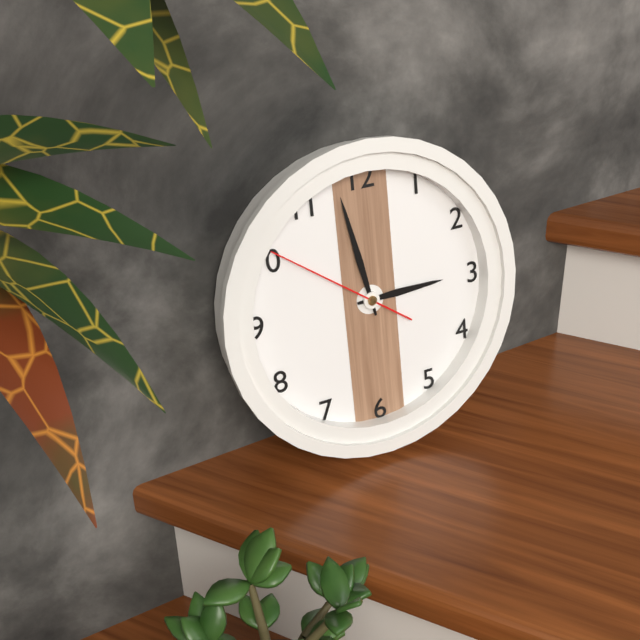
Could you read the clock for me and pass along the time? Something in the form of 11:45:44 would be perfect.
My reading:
2:58:51
